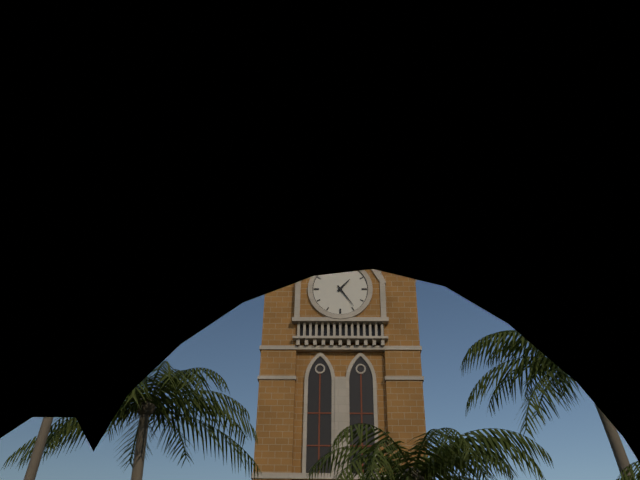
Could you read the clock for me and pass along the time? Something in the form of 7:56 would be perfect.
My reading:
1:24
